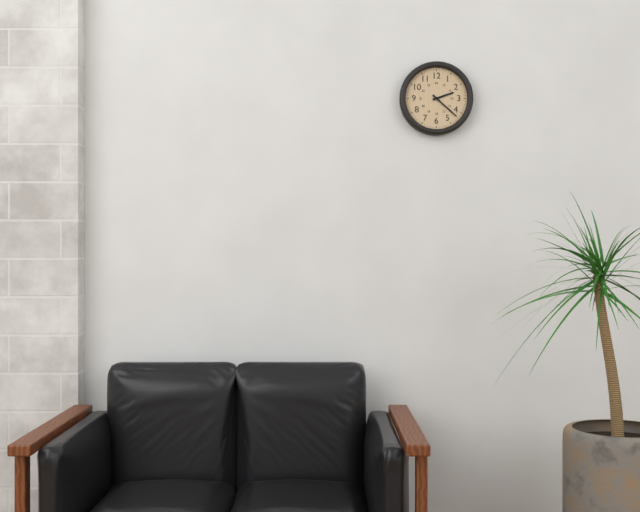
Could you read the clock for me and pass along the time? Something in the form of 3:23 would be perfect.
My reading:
2:22
